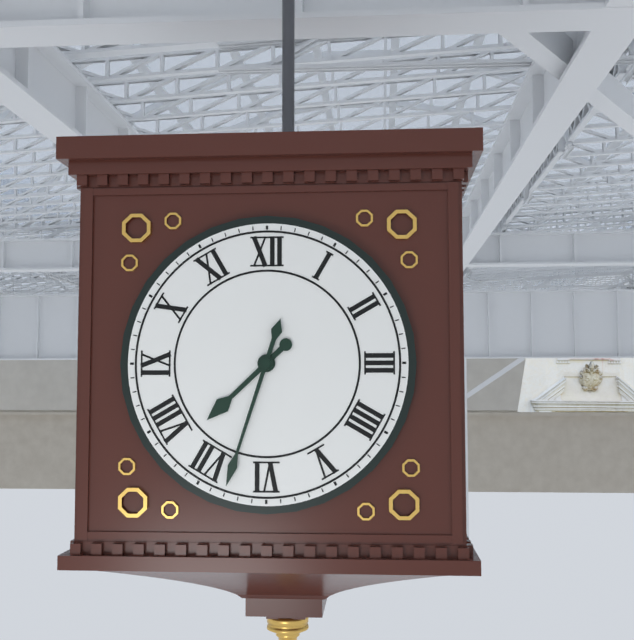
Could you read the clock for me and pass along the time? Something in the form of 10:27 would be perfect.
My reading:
7:33
